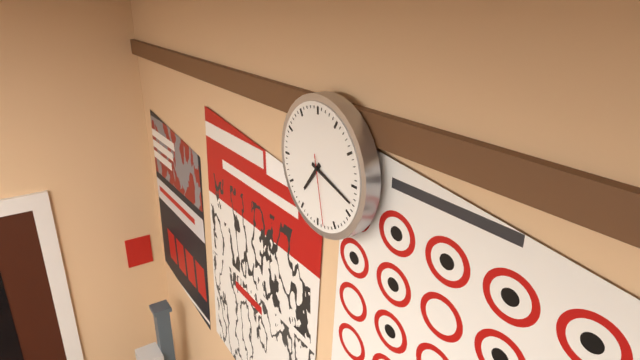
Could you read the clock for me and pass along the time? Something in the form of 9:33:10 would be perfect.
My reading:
7:18:28
